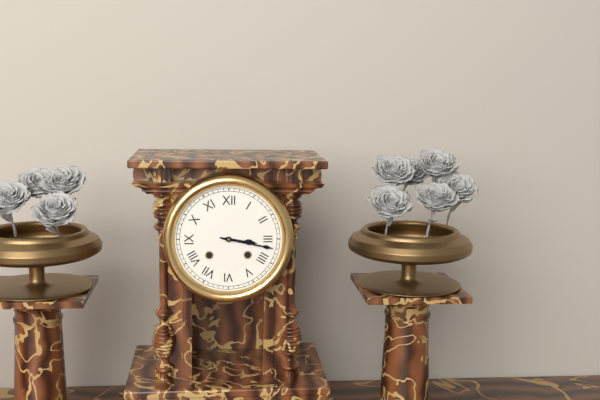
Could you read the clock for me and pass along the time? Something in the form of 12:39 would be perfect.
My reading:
3:17
